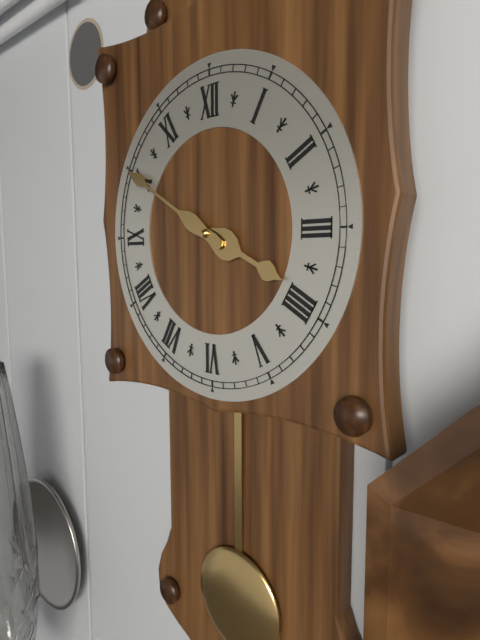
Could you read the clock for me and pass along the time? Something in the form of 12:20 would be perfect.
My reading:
3:50
